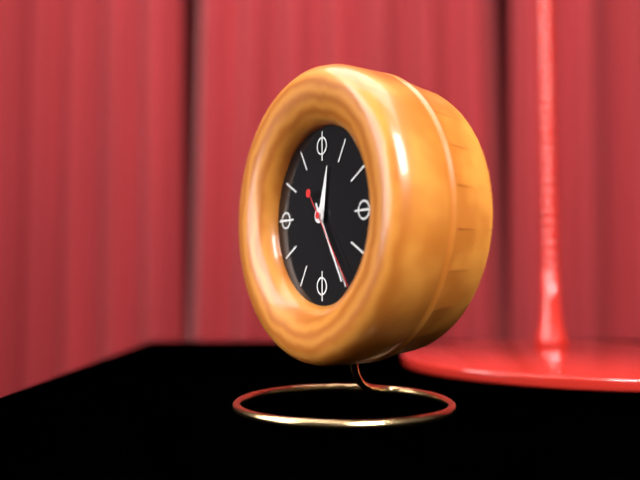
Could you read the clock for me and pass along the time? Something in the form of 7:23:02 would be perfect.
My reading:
12:25:24
